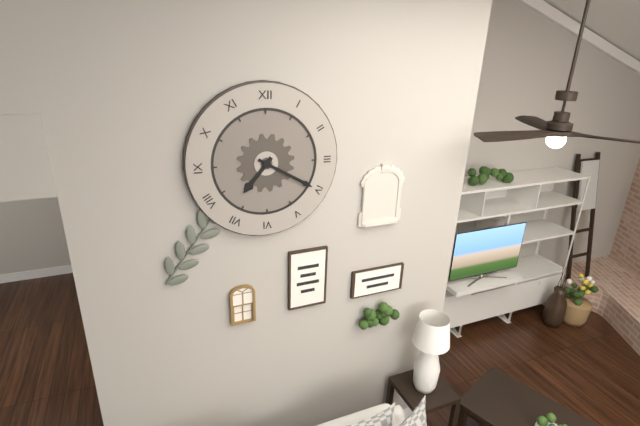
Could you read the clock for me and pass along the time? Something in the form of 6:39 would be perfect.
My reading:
7:20
